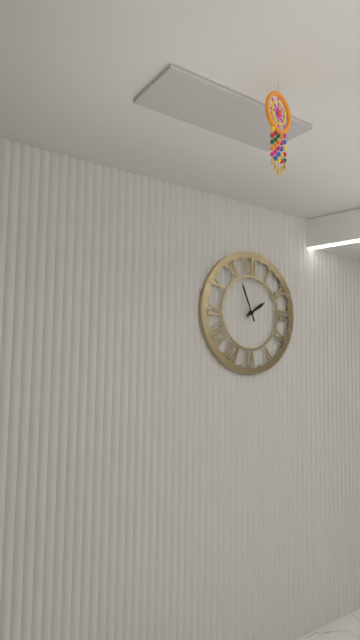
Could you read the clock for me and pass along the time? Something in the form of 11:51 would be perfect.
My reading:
1:56
